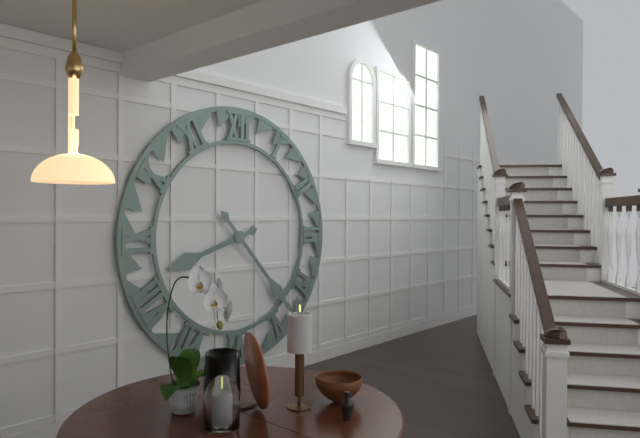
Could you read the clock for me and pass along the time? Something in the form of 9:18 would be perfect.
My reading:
8:23
